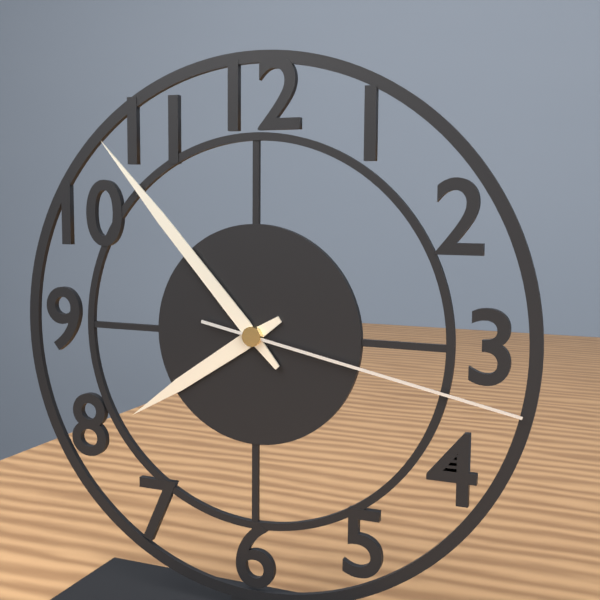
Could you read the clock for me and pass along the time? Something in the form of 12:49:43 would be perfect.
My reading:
7:53:17
